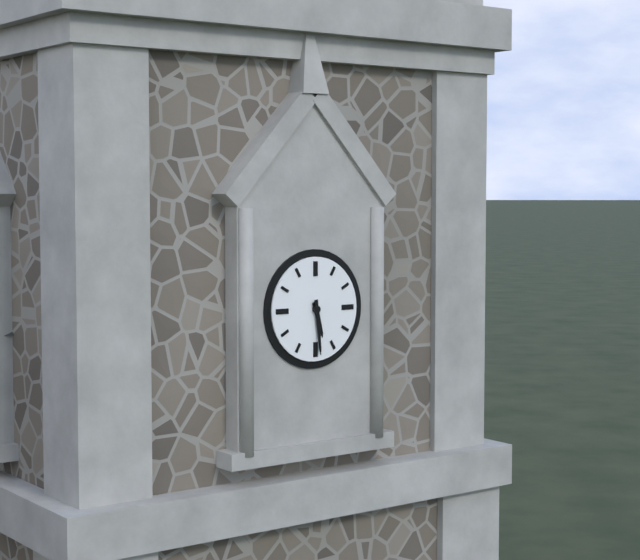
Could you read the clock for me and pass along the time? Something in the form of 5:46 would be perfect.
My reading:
5:29
